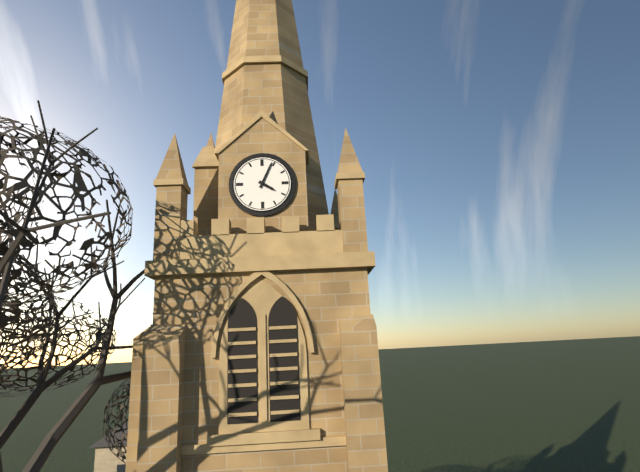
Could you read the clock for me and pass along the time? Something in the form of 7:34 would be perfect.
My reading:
4:04
